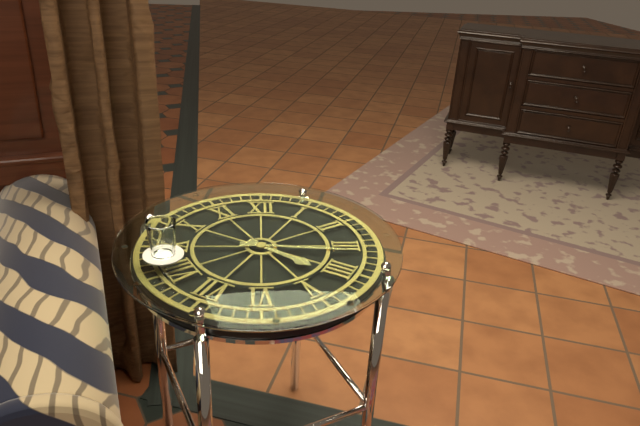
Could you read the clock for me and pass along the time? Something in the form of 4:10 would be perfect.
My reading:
4:16
